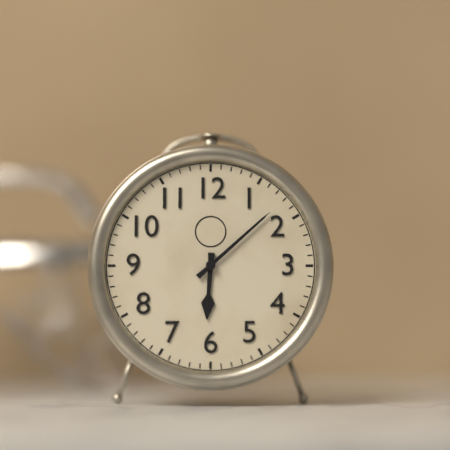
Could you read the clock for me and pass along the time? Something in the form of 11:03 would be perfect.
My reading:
6:08
